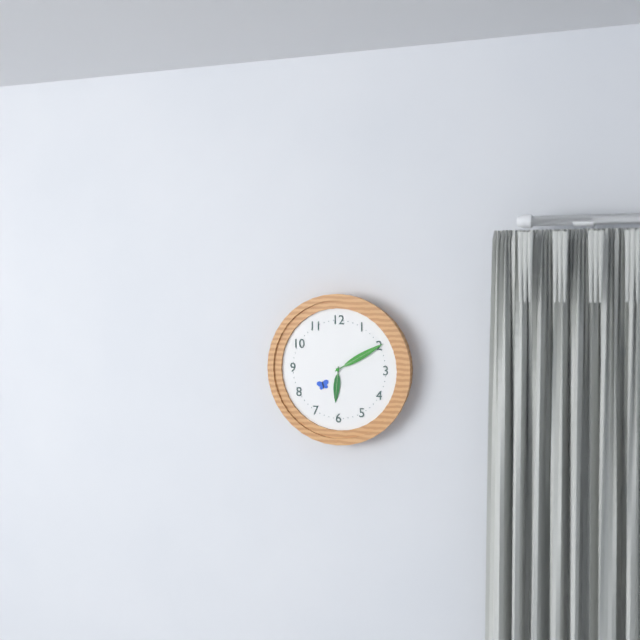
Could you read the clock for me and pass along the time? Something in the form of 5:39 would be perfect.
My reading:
6:10
